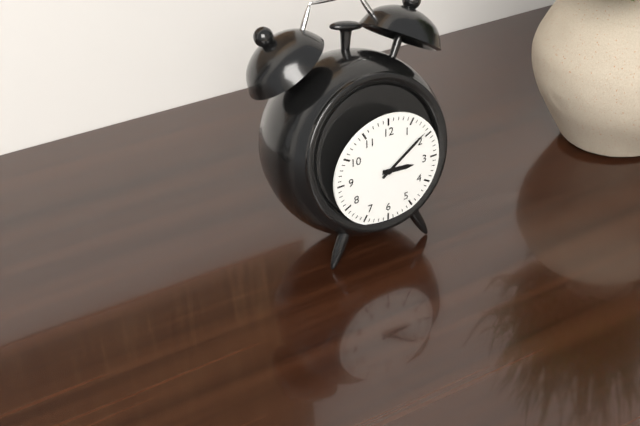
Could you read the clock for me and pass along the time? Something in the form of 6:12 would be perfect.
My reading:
3:09
